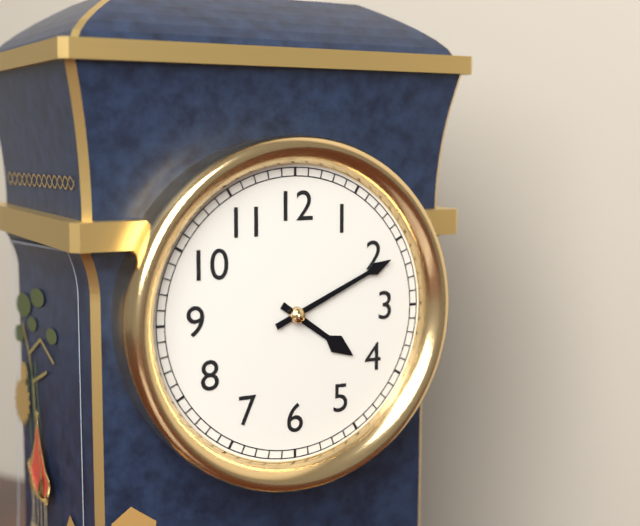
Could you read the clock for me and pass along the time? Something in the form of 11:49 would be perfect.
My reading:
4:11
